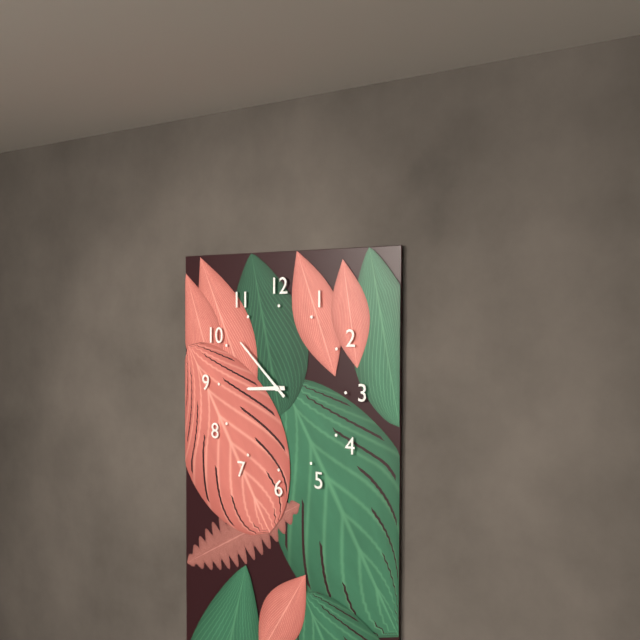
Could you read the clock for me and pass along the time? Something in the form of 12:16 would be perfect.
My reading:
8:52
